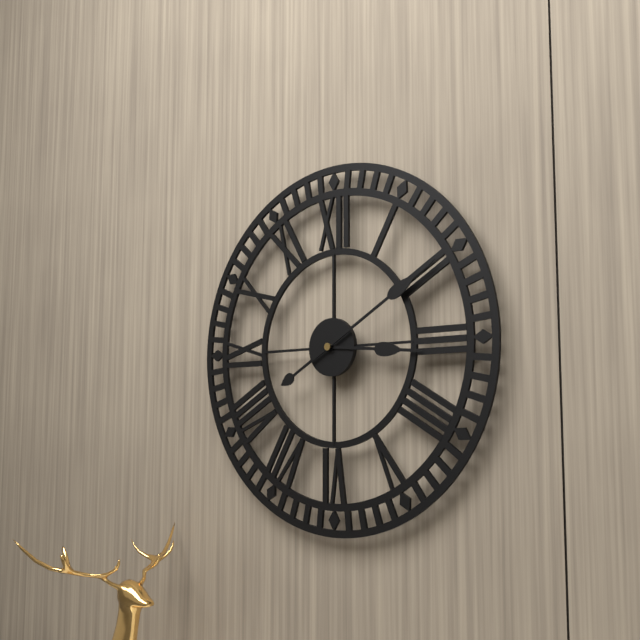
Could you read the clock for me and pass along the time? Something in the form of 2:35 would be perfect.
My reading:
3:10
